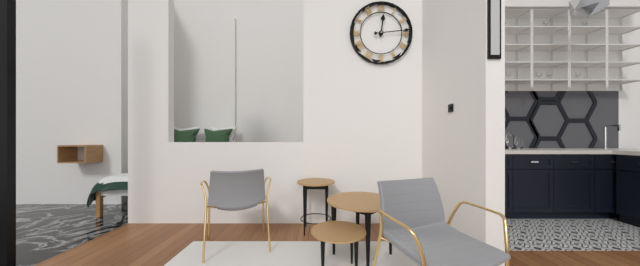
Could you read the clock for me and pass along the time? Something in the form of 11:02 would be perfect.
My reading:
12:14
